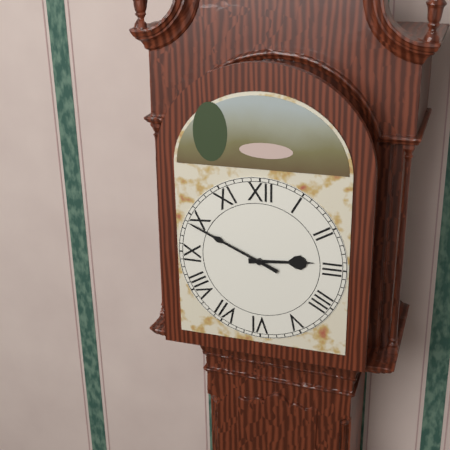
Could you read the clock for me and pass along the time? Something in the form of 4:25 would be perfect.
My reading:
2:49
